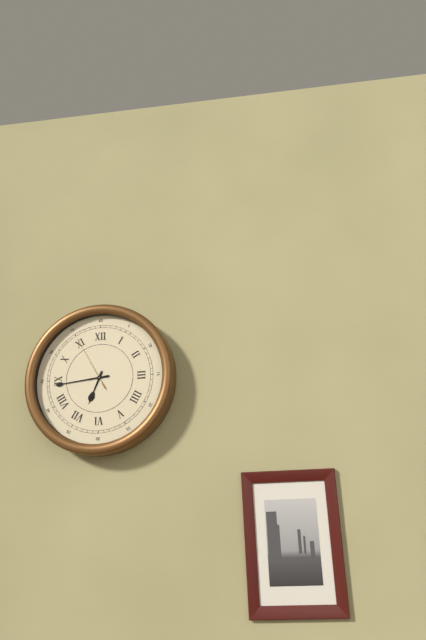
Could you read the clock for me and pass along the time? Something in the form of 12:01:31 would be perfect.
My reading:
6:44:55
